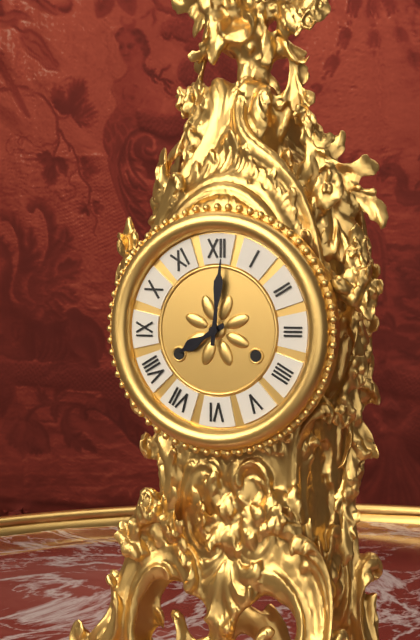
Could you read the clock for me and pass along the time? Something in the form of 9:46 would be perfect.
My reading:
8:01
